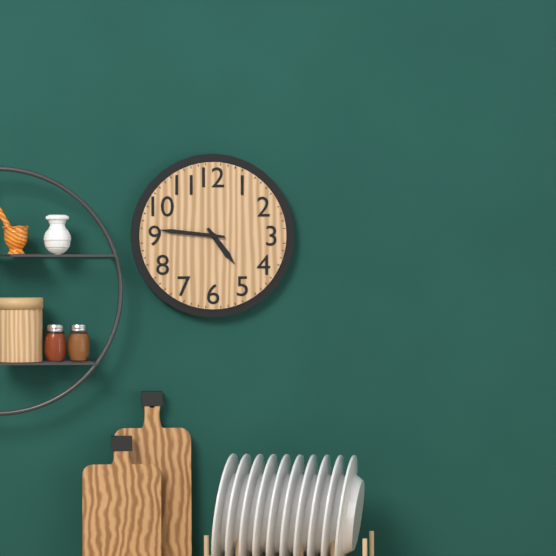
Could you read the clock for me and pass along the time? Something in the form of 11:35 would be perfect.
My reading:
4:46
